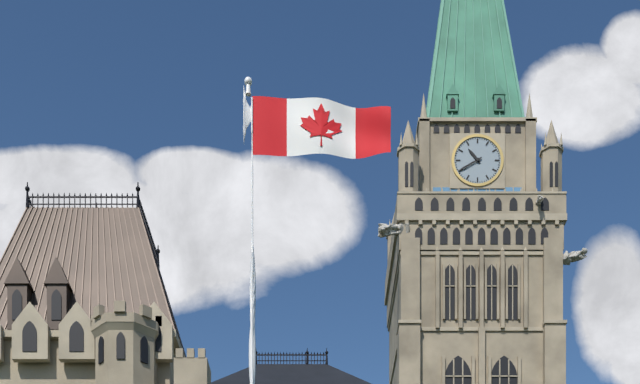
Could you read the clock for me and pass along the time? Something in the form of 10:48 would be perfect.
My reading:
10:40
